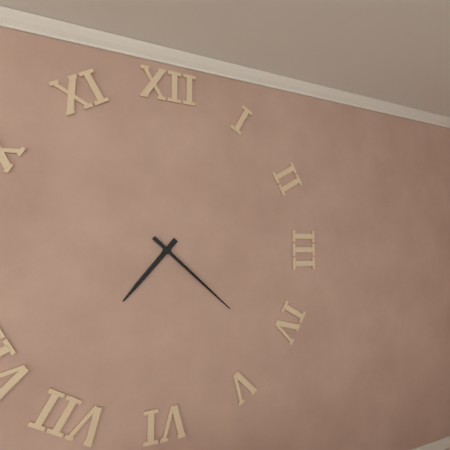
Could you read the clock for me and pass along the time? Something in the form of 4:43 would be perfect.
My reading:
7:22
